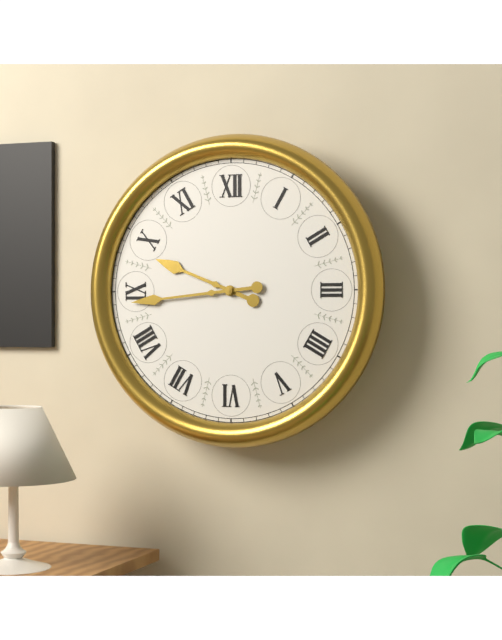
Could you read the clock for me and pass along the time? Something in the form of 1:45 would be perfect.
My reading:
9:44
